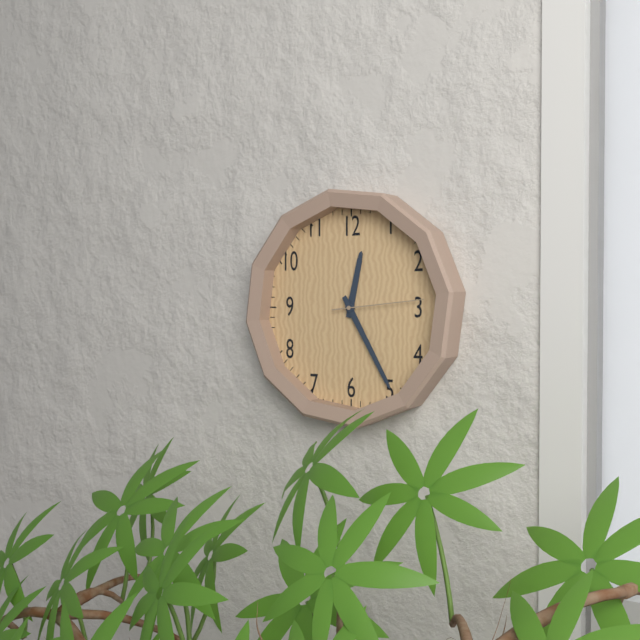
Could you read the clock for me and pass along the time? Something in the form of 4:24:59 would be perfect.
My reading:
12:25:14
